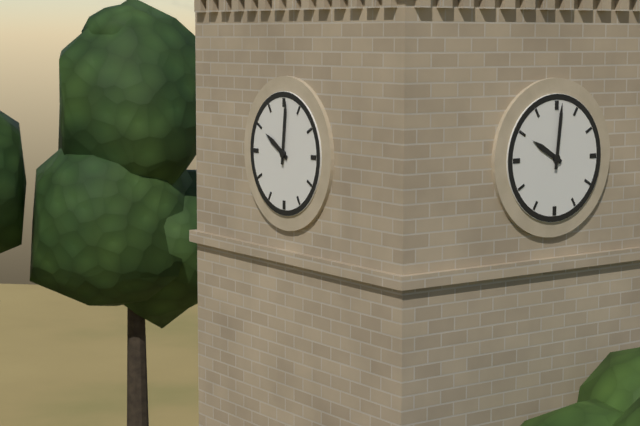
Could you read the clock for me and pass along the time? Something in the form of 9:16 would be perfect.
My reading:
10:01
